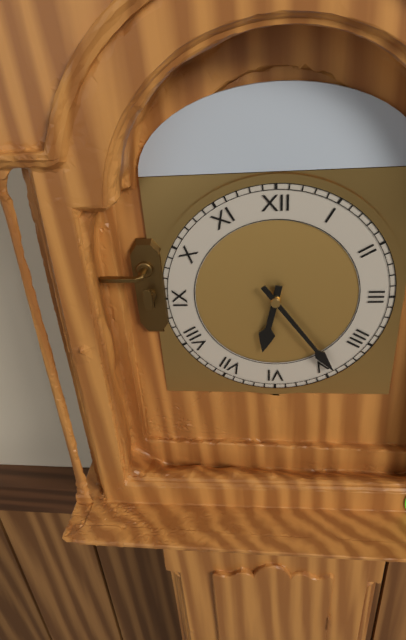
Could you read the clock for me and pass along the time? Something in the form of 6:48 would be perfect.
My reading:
6:24
